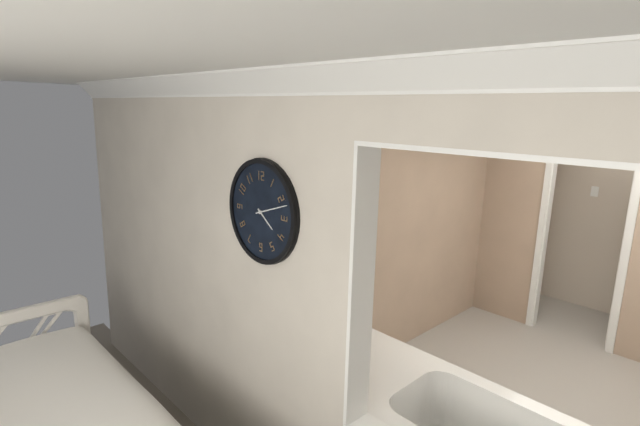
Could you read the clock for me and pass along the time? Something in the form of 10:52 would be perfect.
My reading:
4:12
